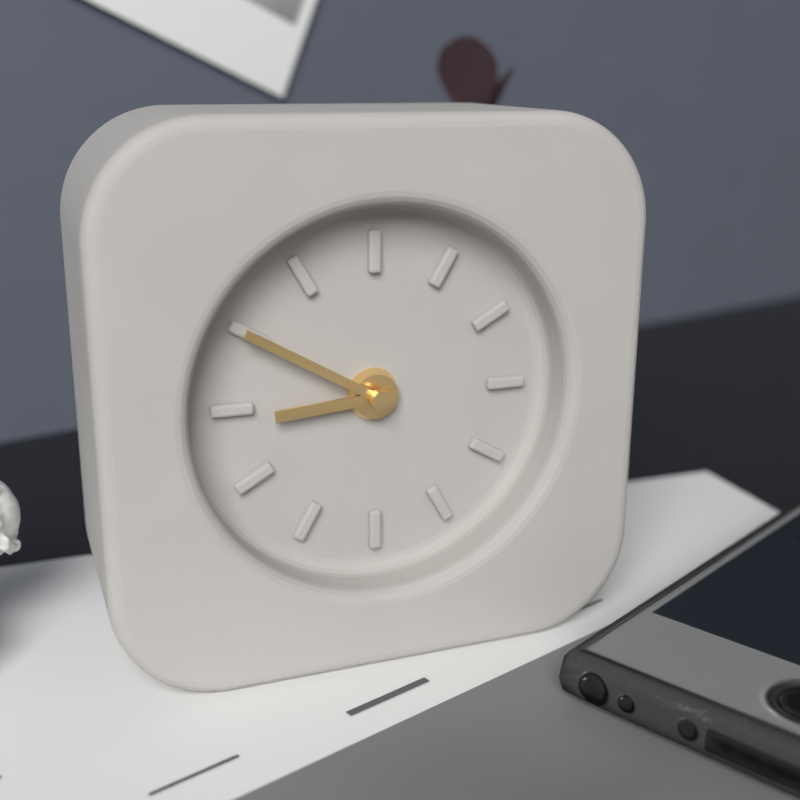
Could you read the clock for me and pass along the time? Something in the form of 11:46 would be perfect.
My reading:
8:50
